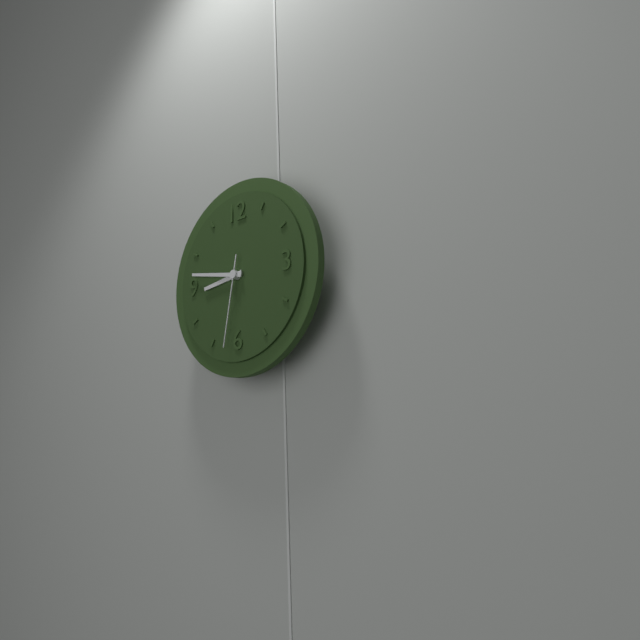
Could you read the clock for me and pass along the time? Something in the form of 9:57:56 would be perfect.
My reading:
8:47:32
